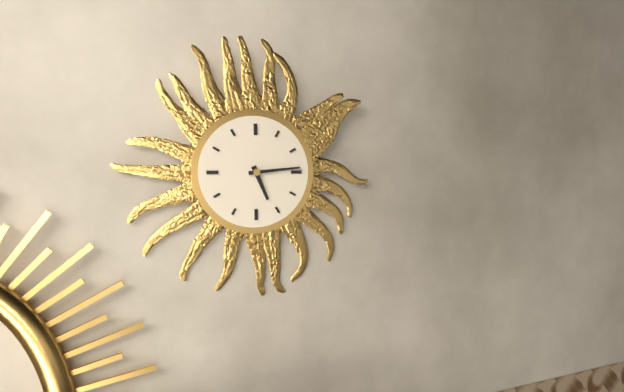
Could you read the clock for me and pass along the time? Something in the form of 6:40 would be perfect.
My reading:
5:14
